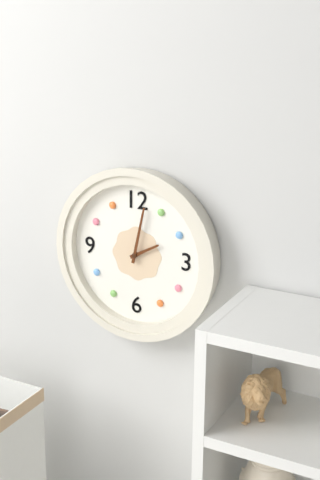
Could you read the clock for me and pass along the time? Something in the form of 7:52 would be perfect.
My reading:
2:02
